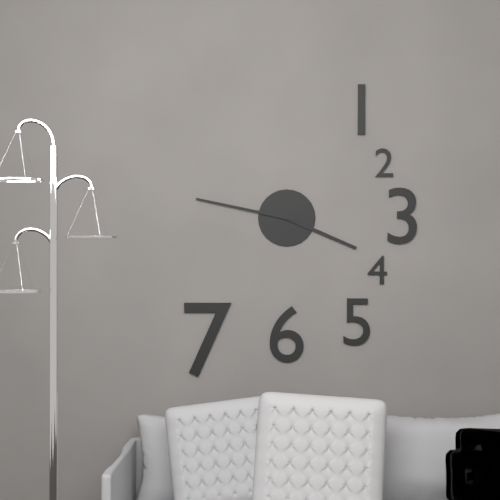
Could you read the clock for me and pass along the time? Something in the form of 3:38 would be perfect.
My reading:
3:47
